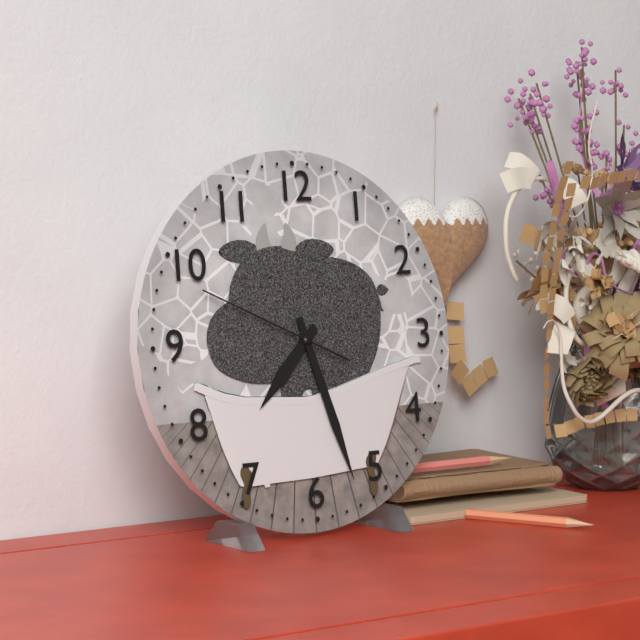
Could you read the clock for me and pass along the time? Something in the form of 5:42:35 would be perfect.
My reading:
7:27:49
